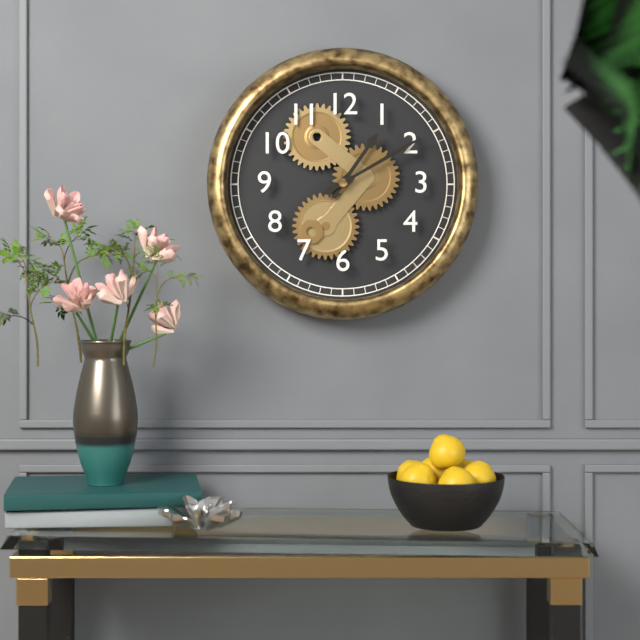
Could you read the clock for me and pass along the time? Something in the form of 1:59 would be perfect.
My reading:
1:10
